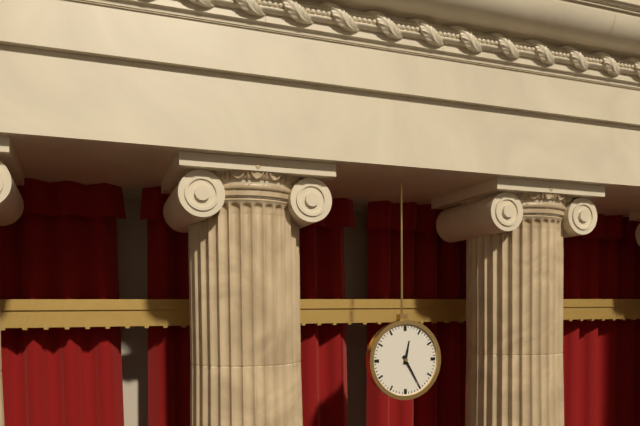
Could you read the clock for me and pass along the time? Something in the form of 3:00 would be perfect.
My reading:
12:25
